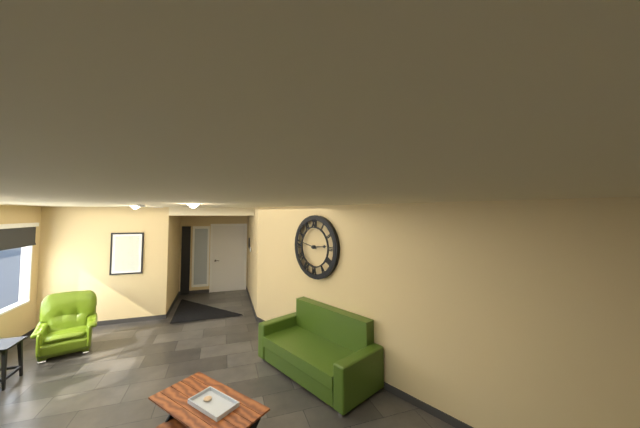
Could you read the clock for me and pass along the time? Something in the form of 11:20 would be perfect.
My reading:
2:47
